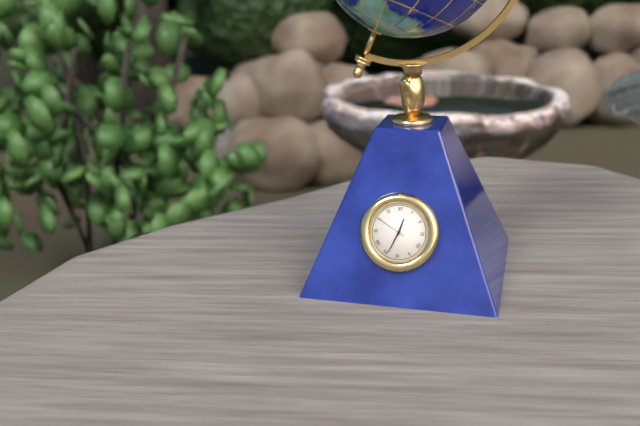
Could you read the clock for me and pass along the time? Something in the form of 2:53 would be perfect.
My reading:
12:34
